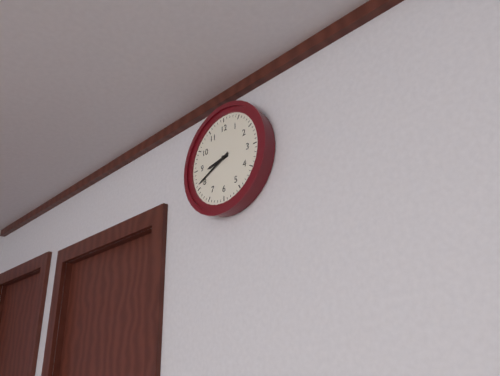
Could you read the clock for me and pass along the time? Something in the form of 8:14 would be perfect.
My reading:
8:41
